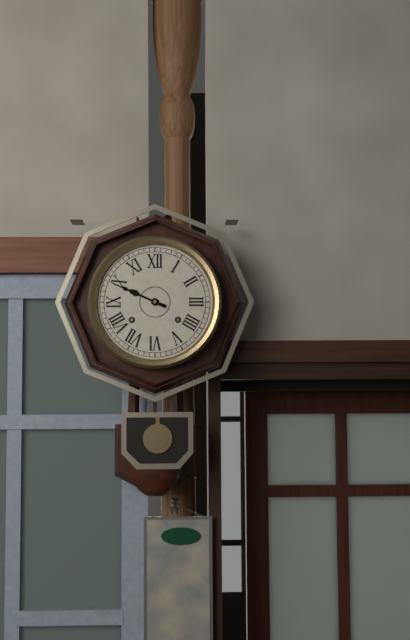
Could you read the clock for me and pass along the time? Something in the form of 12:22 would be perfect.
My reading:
9:49
